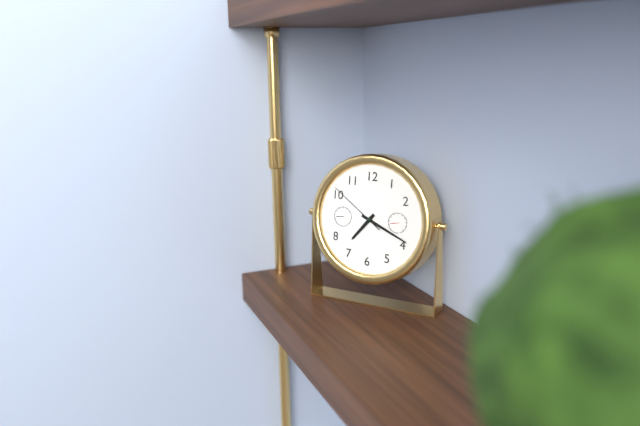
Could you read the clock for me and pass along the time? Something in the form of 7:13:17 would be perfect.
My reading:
7:19:51
